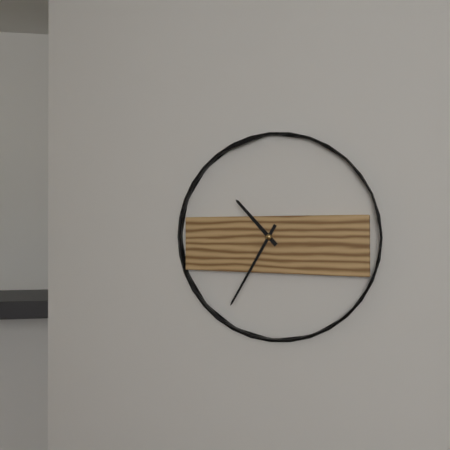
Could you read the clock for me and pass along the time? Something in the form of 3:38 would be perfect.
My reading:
10:35
